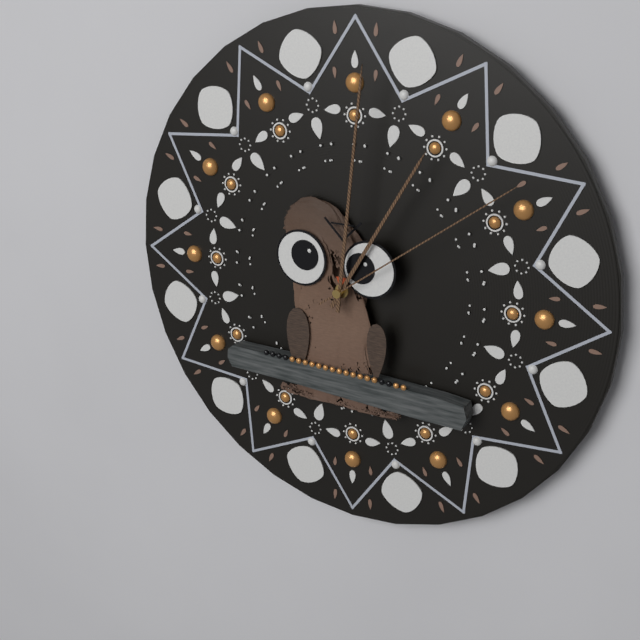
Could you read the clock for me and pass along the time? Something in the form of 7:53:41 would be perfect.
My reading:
1:01:09
